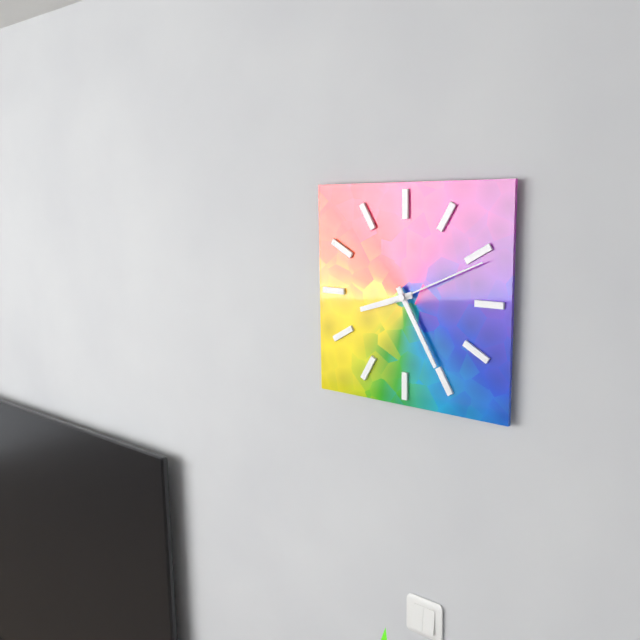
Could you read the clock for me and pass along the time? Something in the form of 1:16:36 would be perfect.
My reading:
8:25:11
